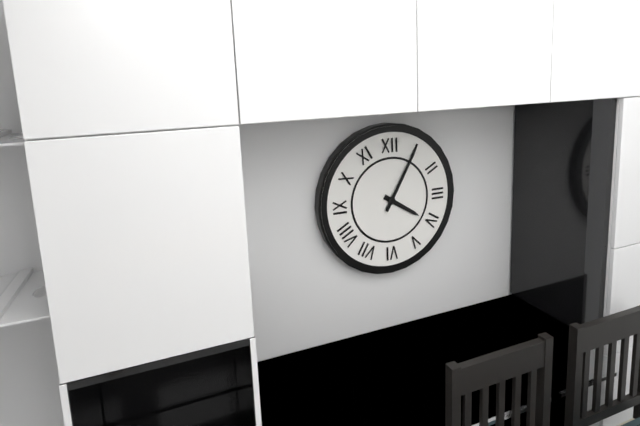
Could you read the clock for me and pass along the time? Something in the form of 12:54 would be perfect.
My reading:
4:05
